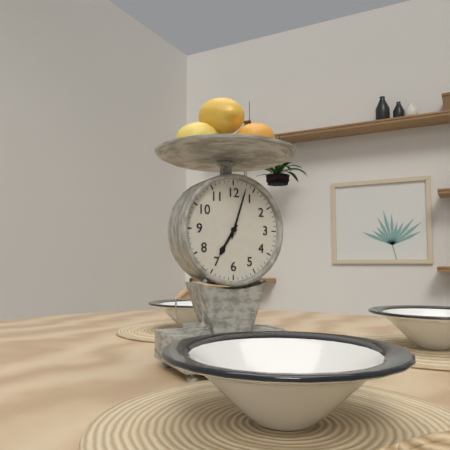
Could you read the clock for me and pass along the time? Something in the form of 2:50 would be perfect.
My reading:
7:03
